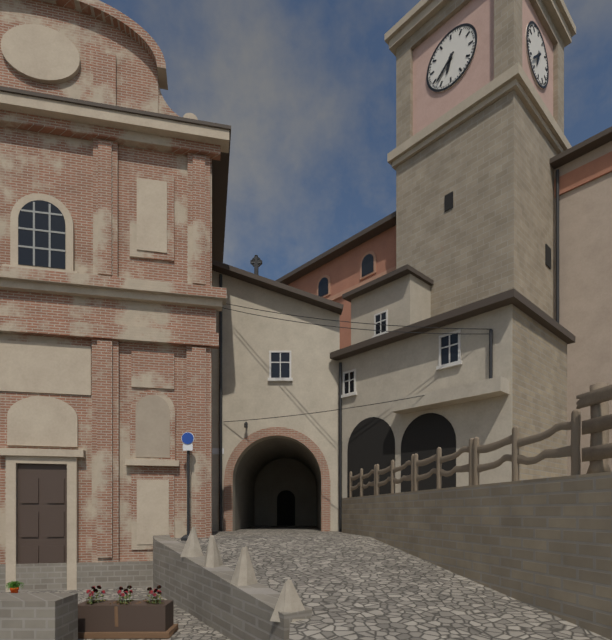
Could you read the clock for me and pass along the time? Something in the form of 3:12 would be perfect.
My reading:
6:38
